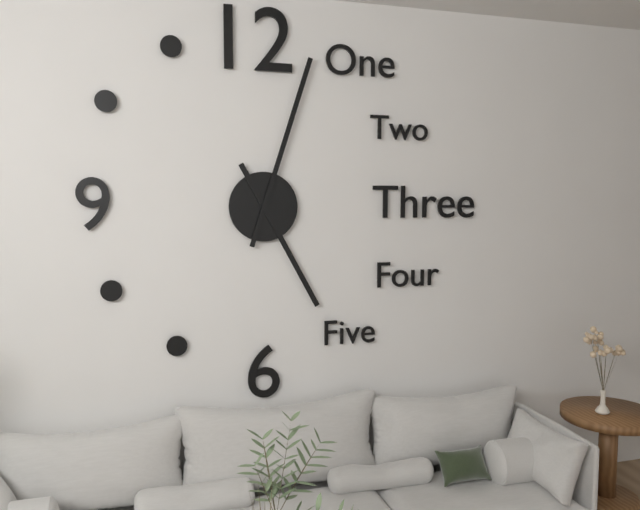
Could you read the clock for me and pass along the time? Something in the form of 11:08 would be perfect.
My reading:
5:03
